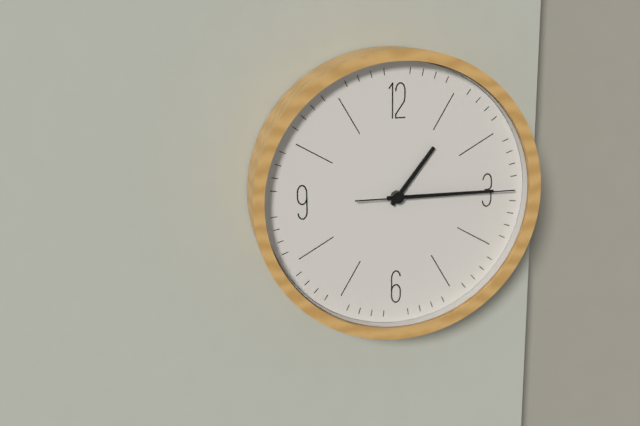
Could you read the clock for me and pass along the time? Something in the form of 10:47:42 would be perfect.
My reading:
1:15:15
